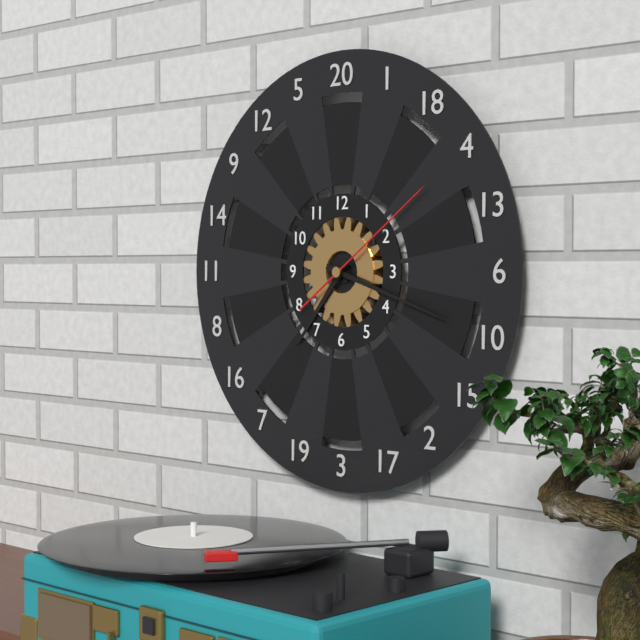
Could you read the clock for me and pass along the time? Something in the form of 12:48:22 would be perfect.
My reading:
7:18:09
